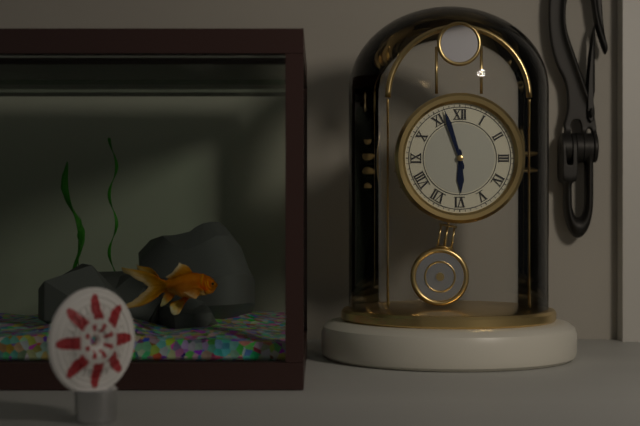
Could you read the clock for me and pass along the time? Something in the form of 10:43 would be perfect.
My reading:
5:57
